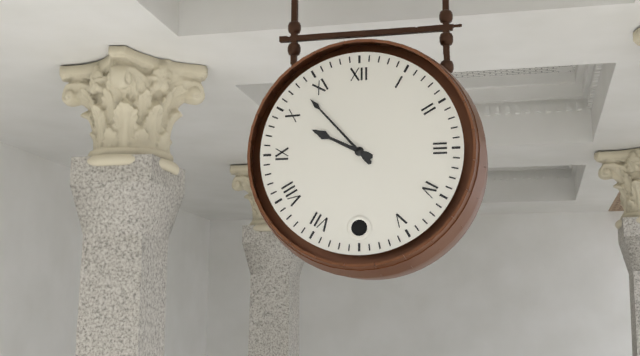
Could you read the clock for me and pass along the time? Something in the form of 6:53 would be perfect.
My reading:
9:53
